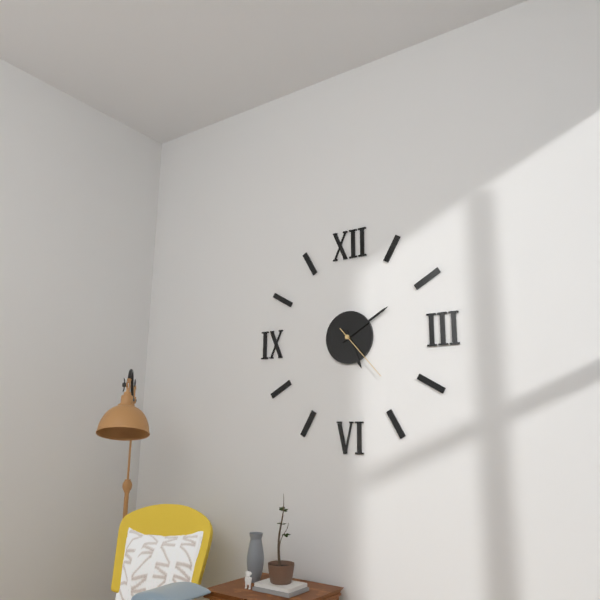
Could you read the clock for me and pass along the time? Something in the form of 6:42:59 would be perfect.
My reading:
5:10:23
